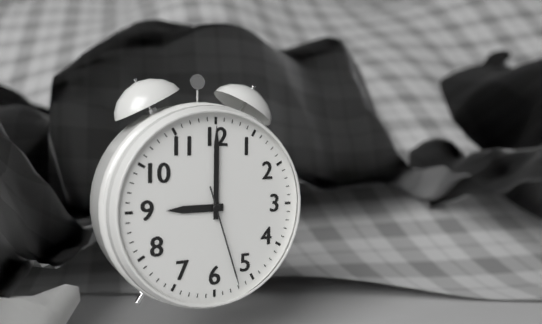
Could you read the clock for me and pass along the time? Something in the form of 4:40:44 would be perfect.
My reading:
9:00:27
